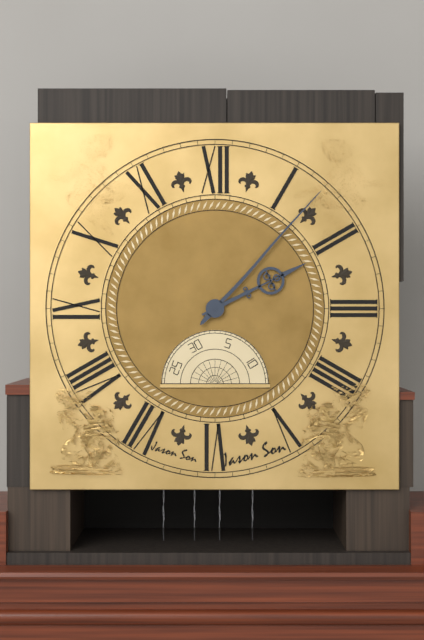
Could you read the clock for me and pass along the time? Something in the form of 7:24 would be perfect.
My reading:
2:07
